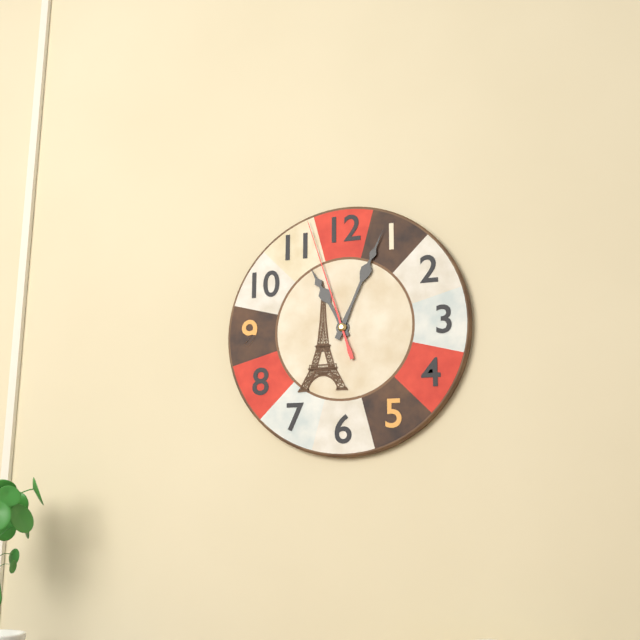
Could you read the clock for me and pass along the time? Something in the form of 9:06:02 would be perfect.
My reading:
11:04:57
